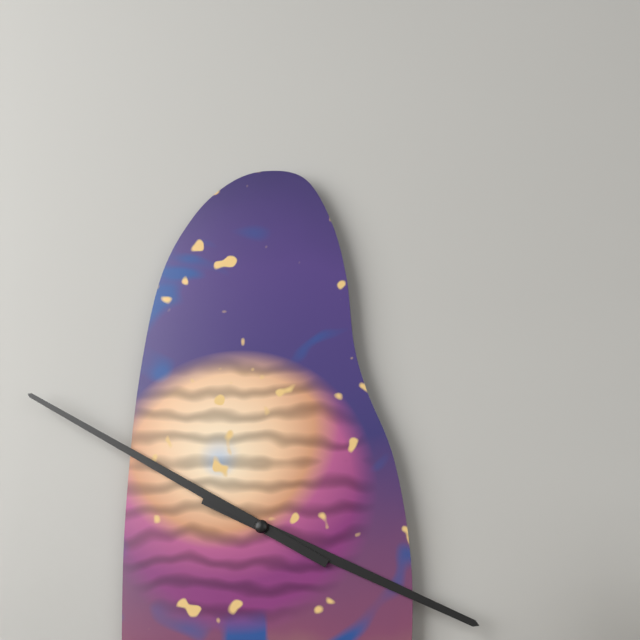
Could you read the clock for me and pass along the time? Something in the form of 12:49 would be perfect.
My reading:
3:50
